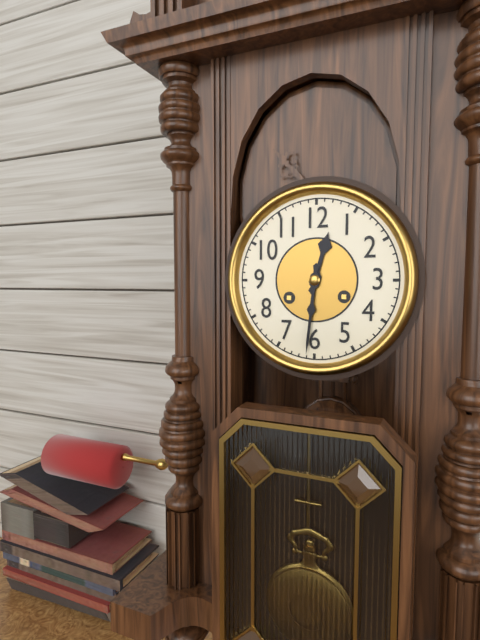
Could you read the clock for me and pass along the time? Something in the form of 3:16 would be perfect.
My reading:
12:31
